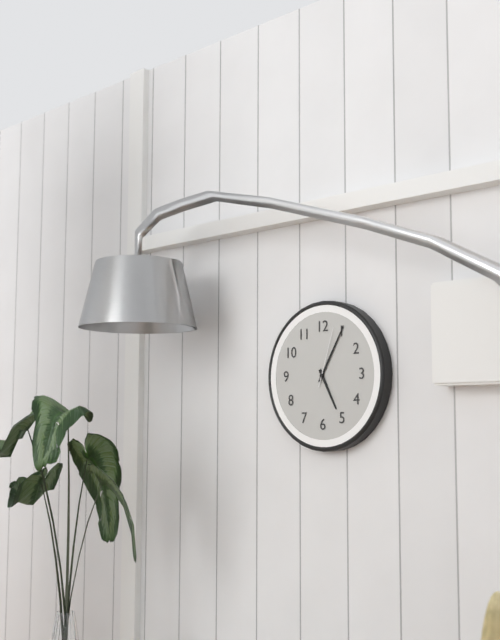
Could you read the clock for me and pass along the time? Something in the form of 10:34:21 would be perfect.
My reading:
5:05:03
